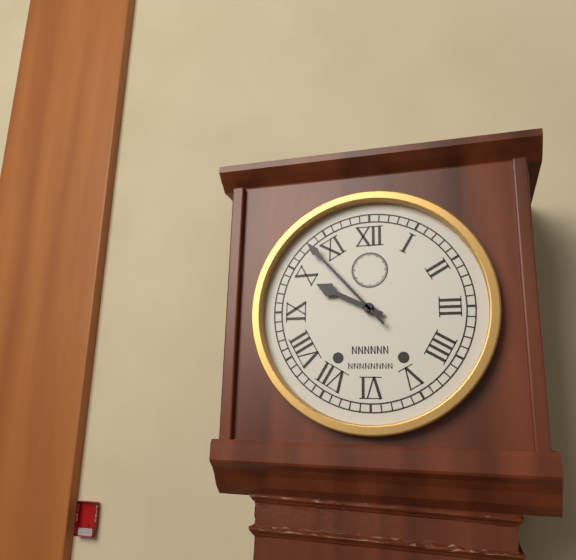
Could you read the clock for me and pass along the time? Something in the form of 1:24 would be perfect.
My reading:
9:53
